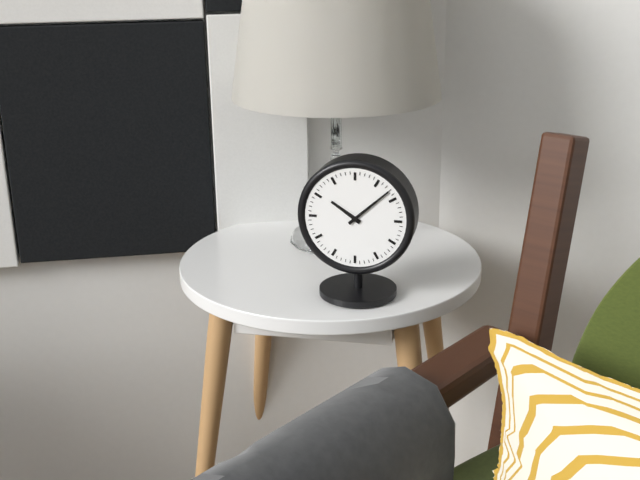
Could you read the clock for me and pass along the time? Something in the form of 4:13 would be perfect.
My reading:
10:08
